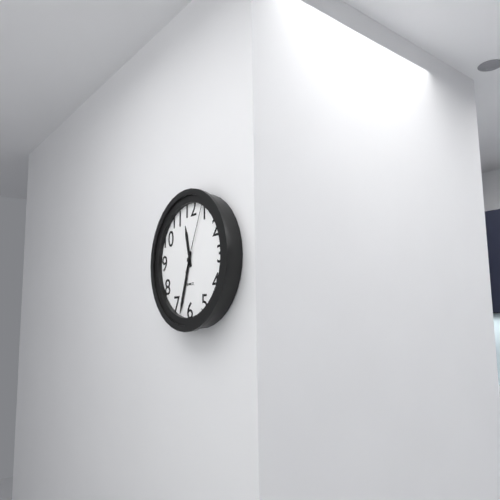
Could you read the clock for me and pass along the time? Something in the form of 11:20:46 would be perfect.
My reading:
11:33:04
